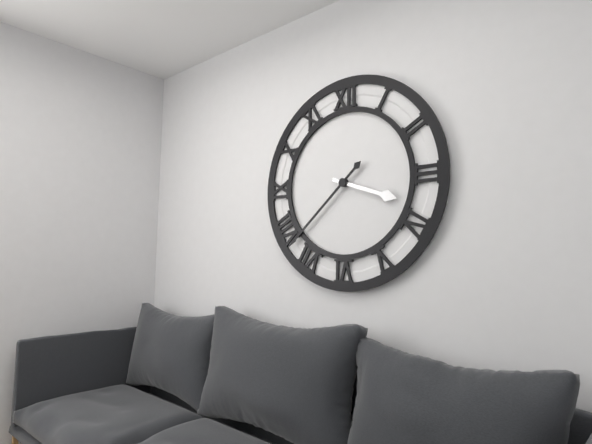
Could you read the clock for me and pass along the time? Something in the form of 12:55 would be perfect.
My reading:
3:38
